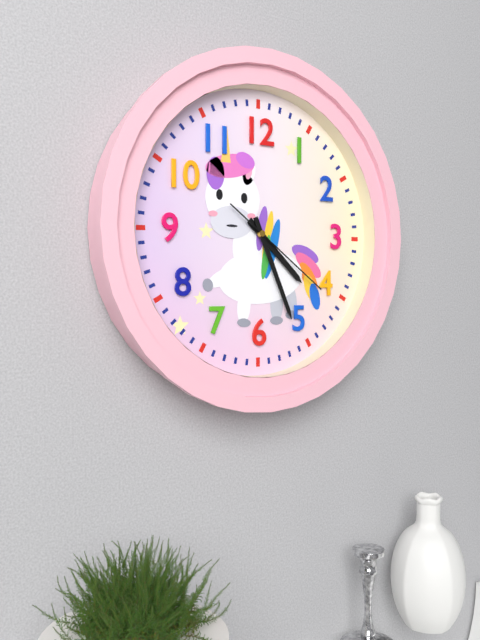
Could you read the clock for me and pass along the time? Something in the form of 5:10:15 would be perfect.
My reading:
4:26:21
